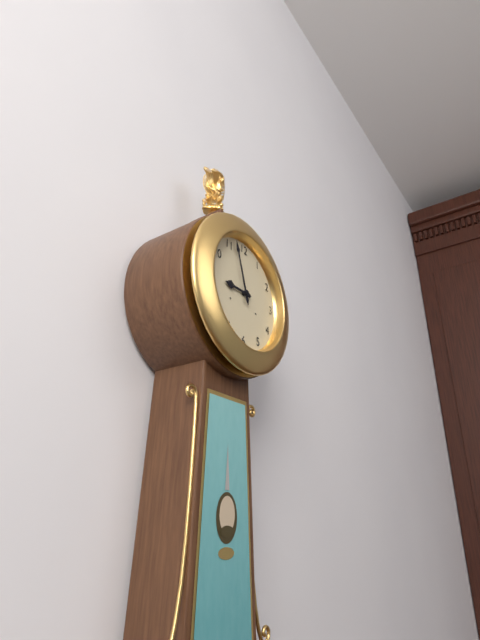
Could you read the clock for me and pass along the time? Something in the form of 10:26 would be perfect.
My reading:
8:57
